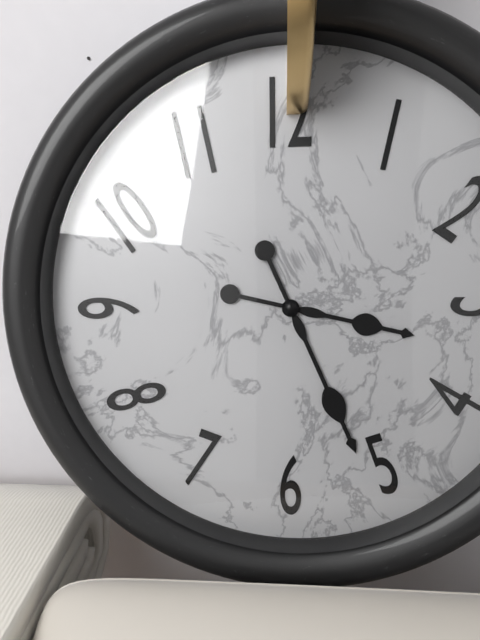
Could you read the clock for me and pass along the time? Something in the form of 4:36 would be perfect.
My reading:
3:26
